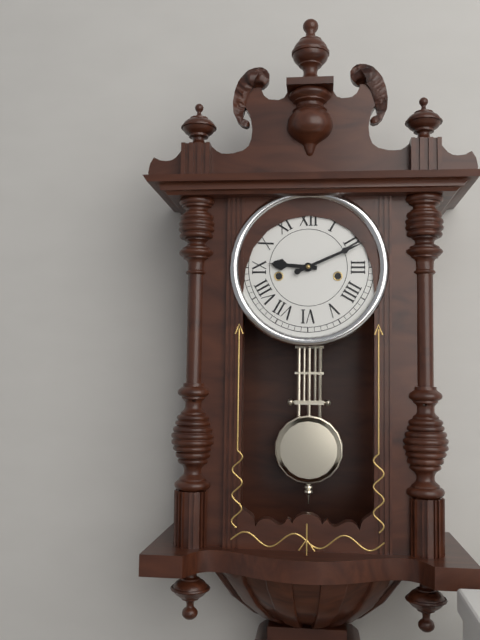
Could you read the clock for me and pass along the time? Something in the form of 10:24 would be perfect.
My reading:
9:11
